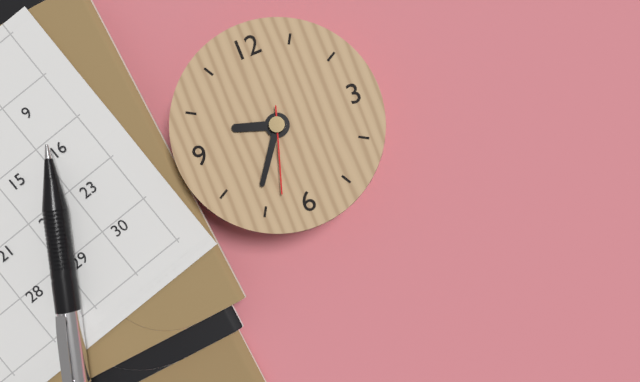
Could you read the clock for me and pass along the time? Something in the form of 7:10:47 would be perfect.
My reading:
9:36:33
